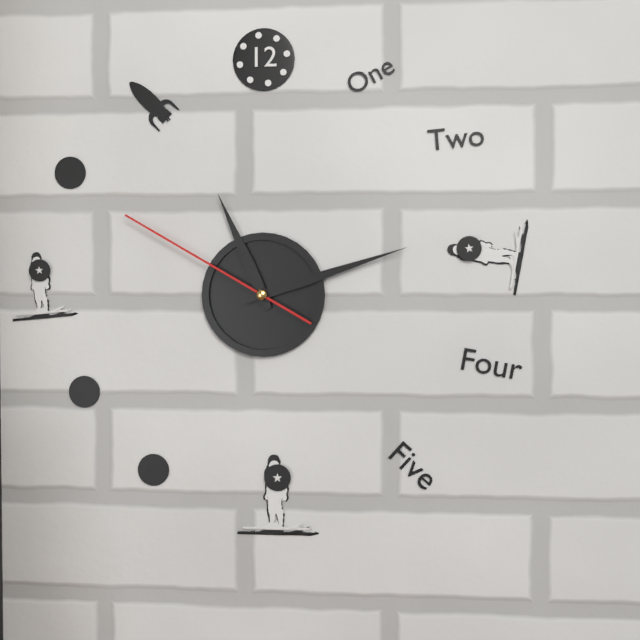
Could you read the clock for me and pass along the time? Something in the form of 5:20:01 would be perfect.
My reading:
11:12:50
